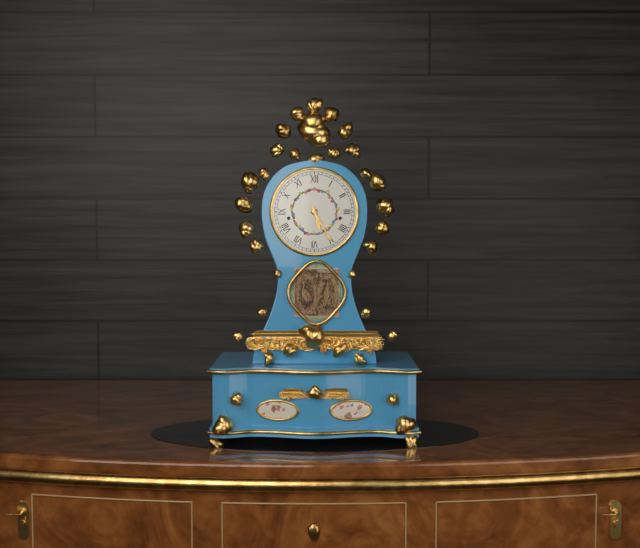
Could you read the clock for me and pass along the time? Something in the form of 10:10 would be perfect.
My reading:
5:25
